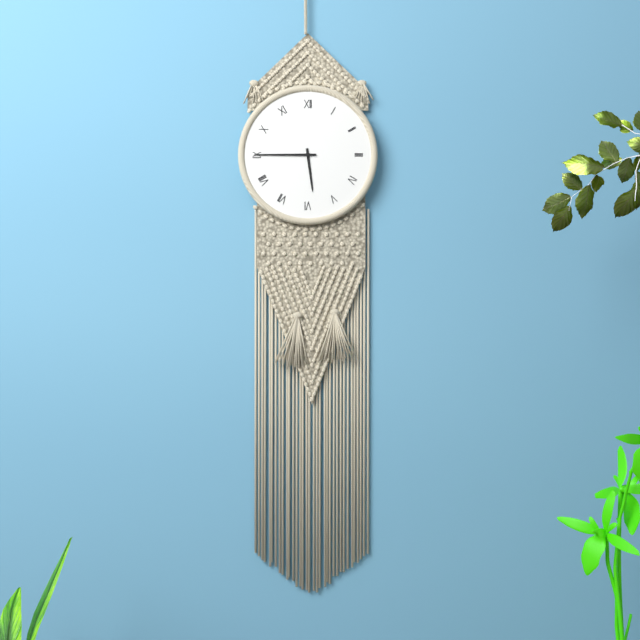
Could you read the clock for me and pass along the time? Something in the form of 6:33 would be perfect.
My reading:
5:45
